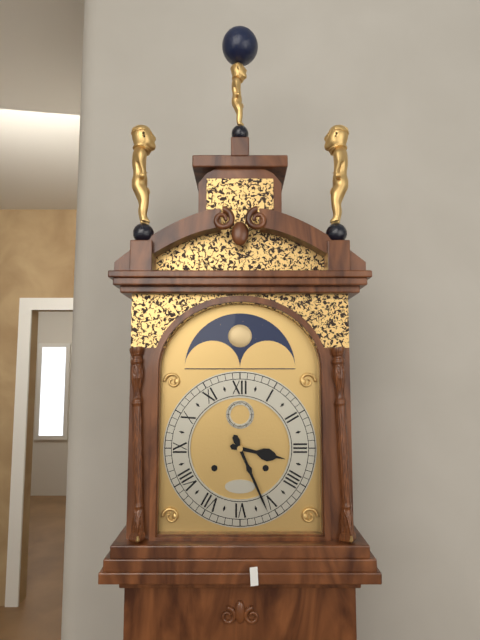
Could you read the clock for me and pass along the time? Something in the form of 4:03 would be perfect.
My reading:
3:26
